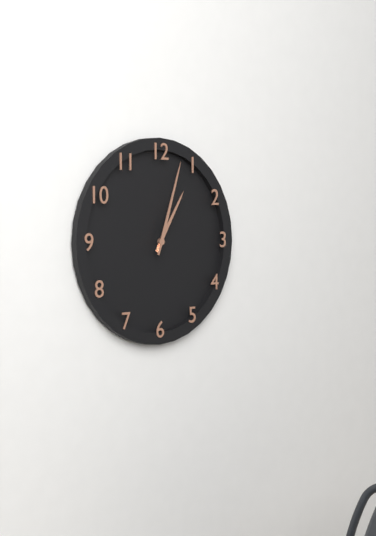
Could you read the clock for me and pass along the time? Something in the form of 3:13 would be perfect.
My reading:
1:03
